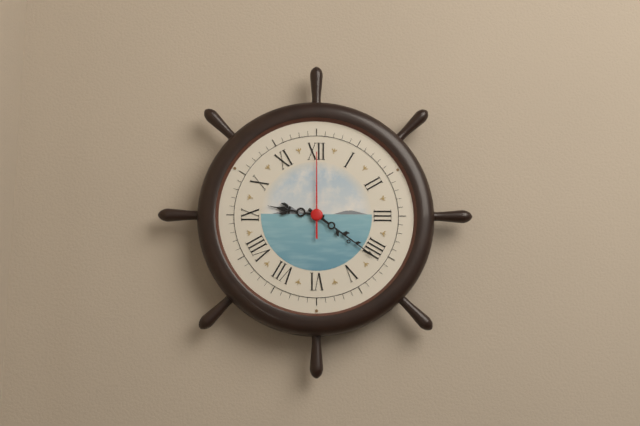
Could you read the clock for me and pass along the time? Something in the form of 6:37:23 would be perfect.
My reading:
9:21:00
